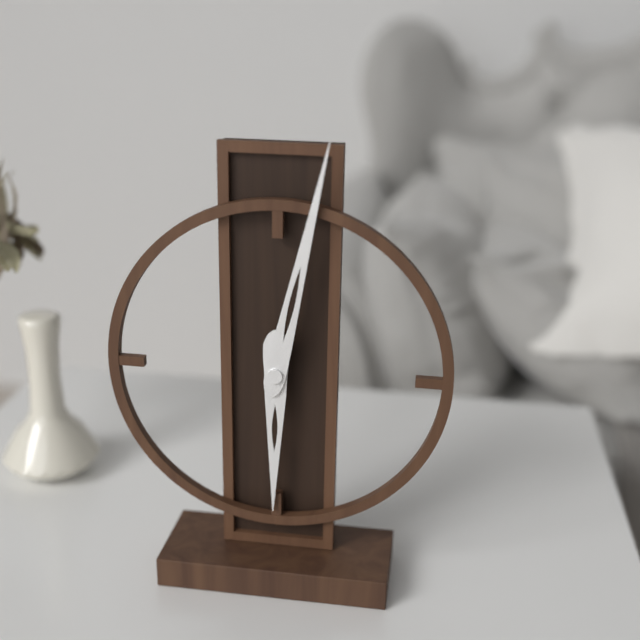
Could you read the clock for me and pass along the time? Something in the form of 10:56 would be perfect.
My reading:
6:02
